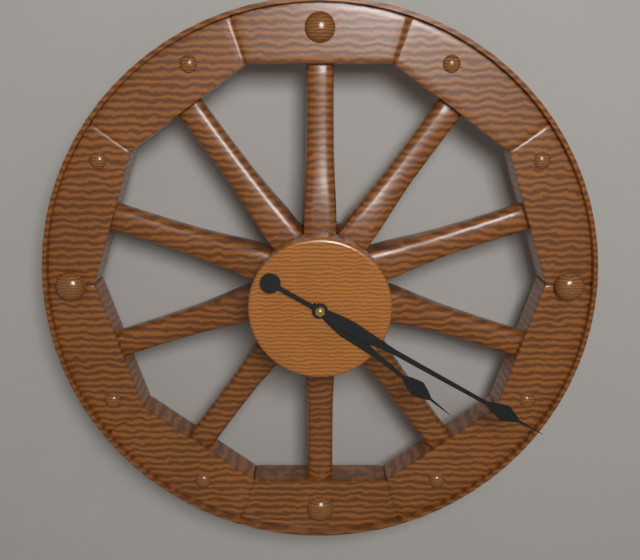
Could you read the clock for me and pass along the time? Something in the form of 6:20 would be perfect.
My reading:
4:20
